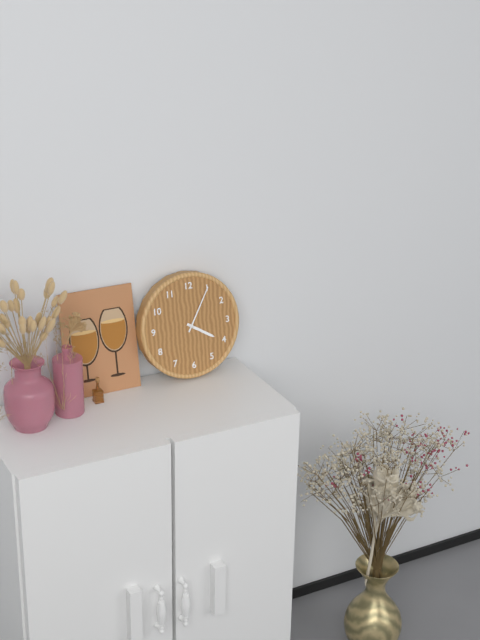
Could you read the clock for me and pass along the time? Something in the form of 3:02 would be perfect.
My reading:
4:05
